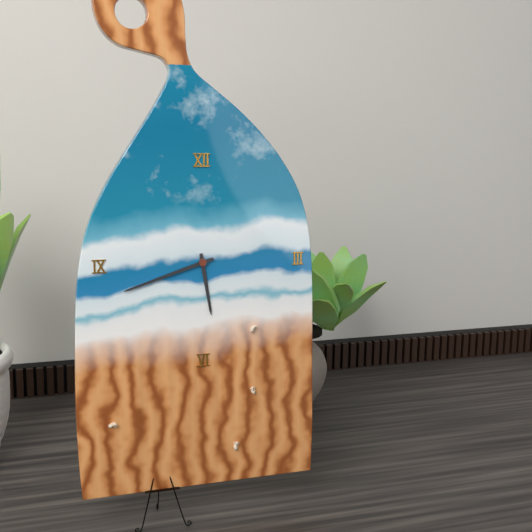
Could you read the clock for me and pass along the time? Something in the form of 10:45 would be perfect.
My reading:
5:42
